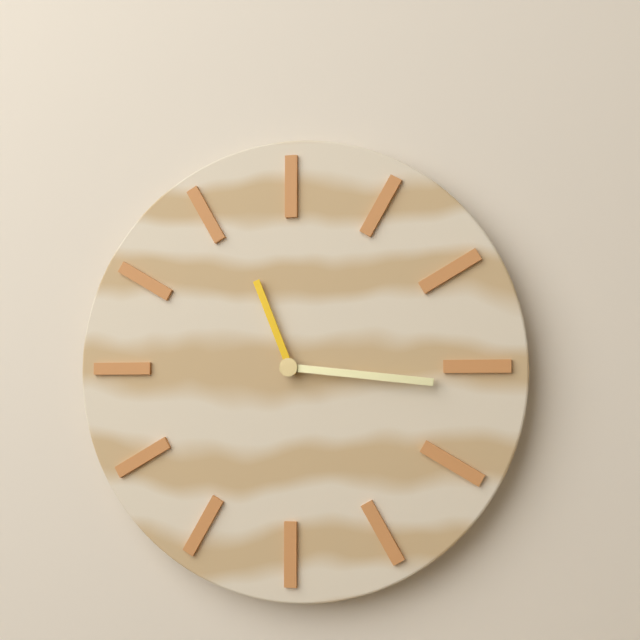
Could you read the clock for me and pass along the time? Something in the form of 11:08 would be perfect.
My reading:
11:16
